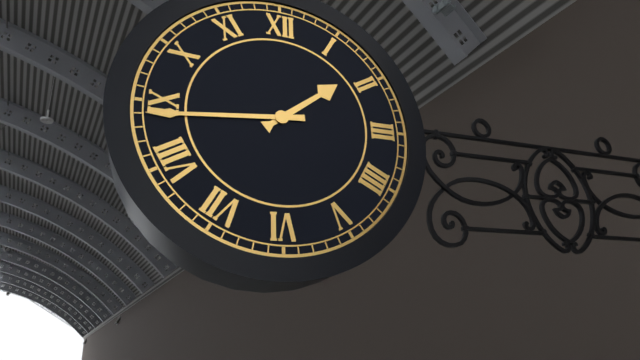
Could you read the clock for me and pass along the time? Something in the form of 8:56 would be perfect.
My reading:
1:44
